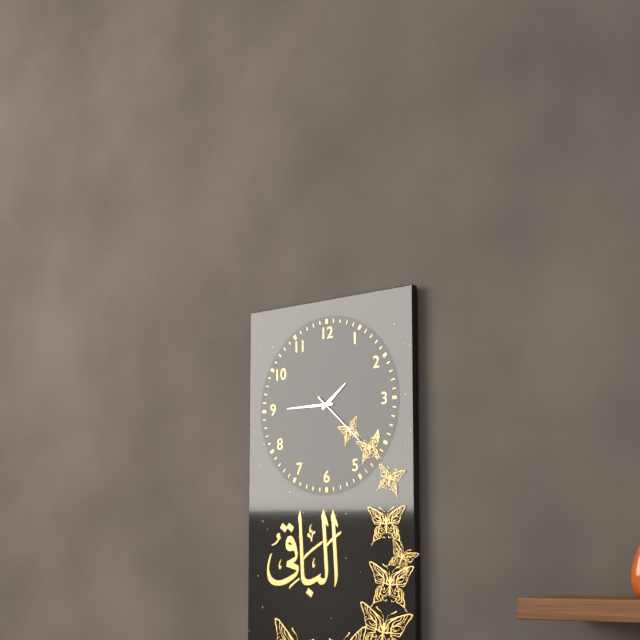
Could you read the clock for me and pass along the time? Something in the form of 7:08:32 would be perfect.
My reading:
1:45:22
